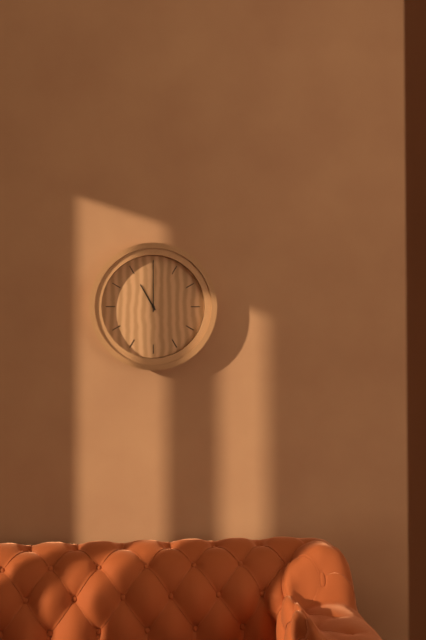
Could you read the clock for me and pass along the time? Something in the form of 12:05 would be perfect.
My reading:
11:00
